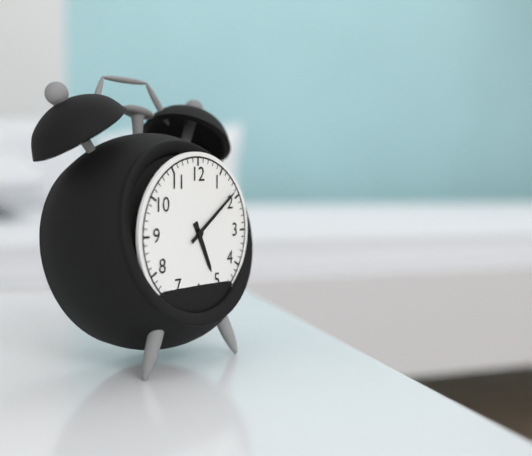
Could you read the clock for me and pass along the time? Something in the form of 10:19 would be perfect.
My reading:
5:09
